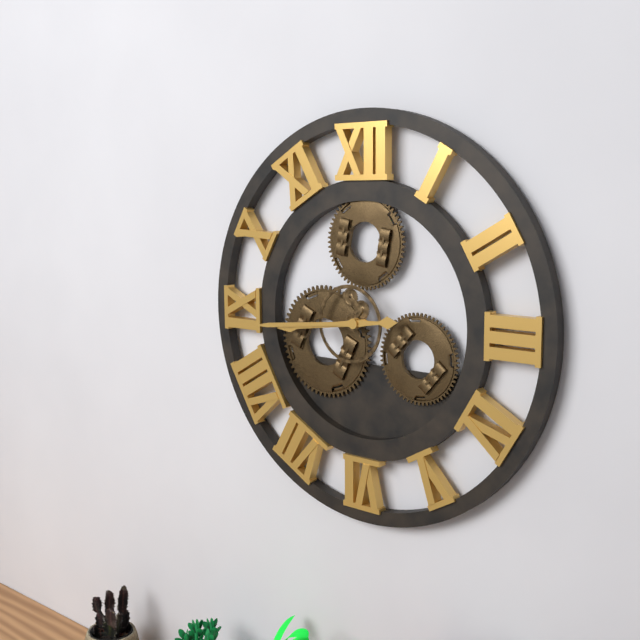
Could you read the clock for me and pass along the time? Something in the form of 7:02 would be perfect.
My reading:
8:44
